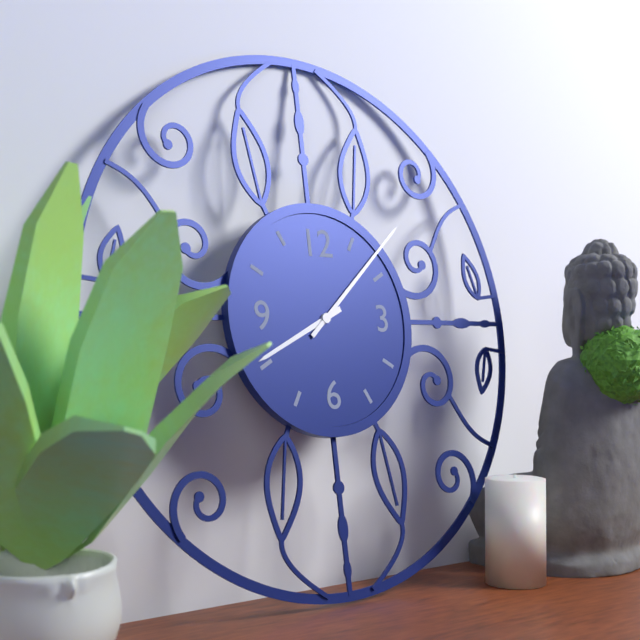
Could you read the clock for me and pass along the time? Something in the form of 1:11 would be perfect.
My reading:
8:08
